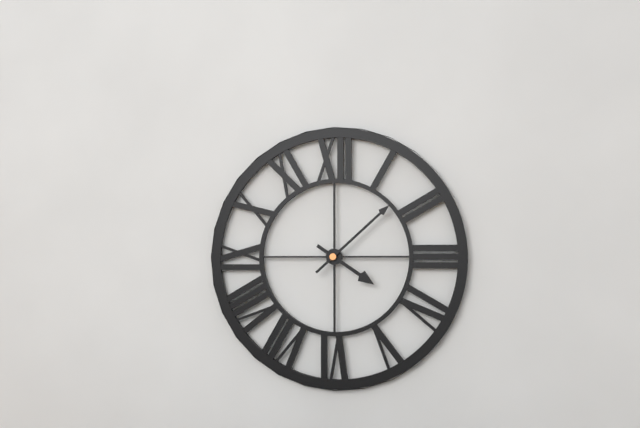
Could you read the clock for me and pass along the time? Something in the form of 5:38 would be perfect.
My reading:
4:08
